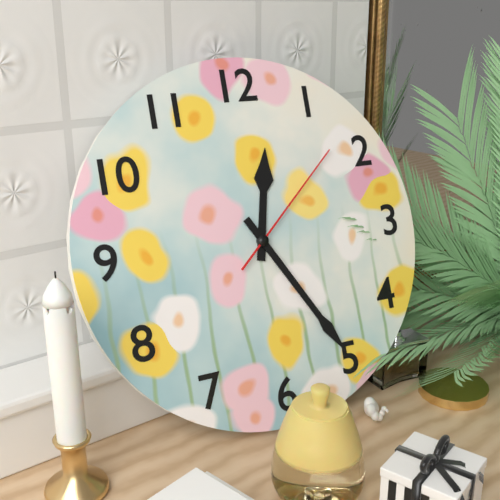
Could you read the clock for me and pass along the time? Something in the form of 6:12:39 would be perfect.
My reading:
12:25:08
